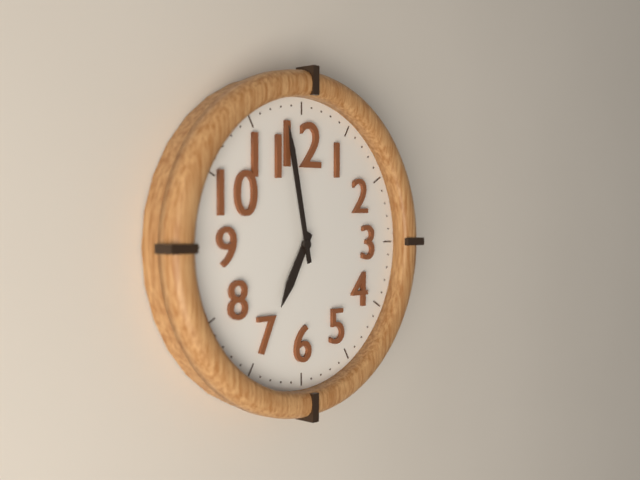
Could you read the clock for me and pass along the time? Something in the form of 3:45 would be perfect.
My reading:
6:58
